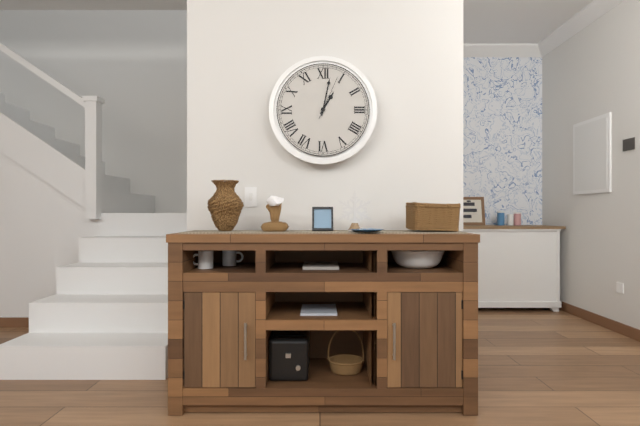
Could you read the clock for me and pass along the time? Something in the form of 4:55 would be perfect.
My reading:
1:02
